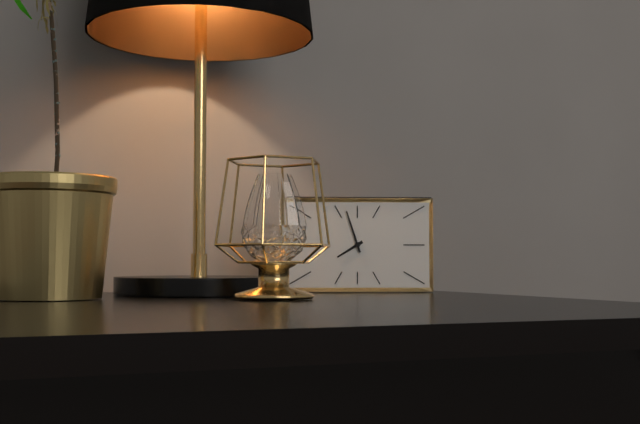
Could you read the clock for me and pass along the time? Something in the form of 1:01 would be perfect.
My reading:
7:57
